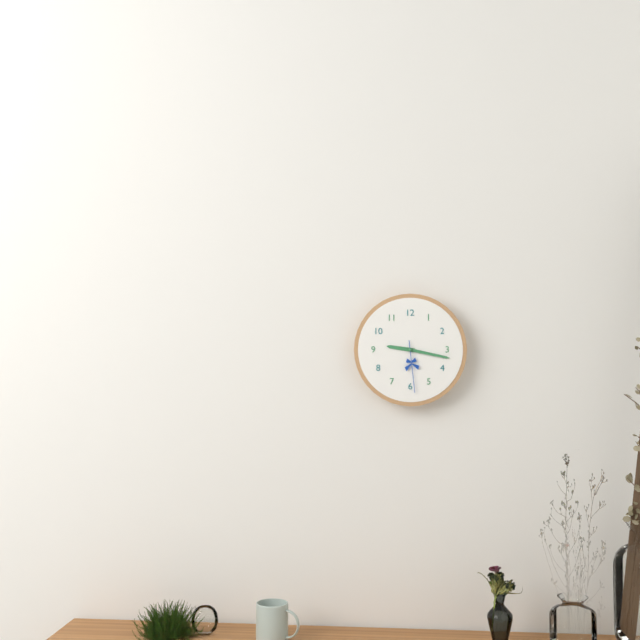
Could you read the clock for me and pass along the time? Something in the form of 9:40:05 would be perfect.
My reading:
9:17:29
